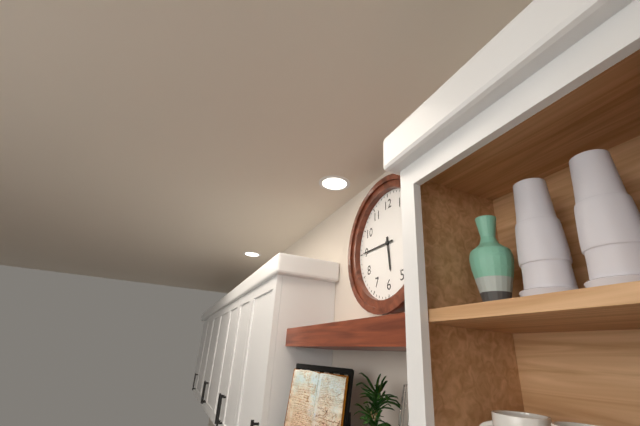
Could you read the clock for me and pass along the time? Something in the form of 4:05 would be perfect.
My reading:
5:45
